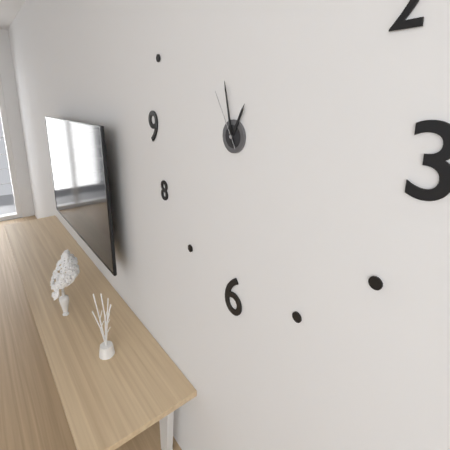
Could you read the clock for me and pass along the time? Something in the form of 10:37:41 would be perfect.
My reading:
12:58:55
